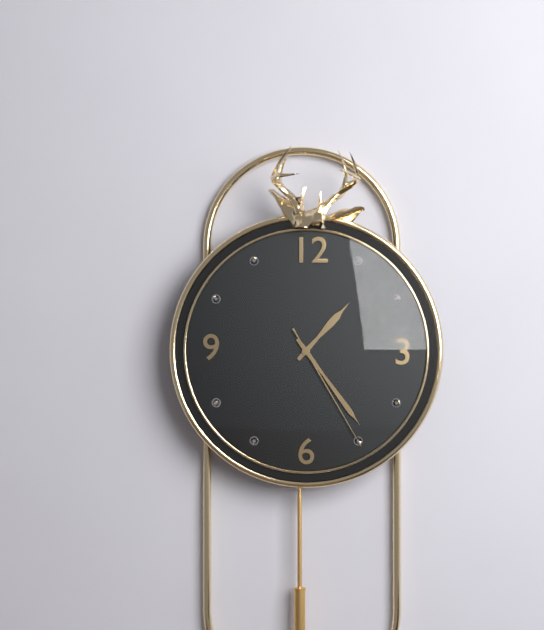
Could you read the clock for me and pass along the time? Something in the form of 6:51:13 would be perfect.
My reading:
1:24:25
